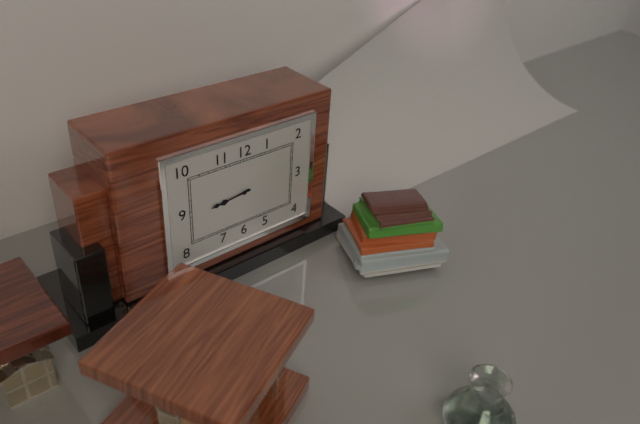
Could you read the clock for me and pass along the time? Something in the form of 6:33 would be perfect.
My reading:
8:44
